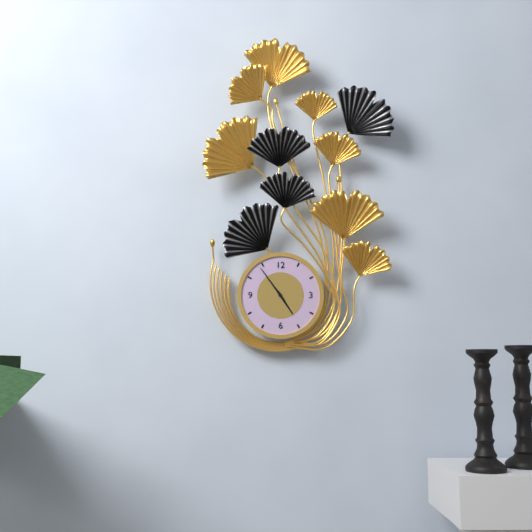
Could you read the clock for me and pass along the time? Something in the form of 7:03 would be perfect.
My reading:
4:54
